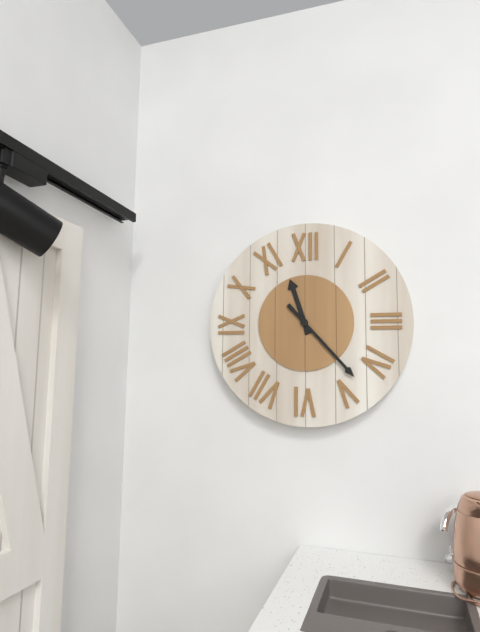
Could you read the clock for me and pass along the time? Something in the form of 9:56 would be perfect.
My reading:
11:23
